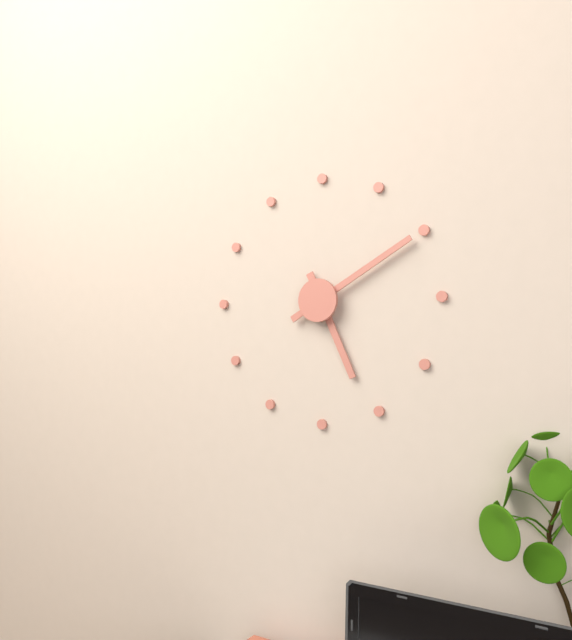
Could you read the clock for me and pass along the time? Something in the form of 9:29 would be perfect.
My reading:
5:10
